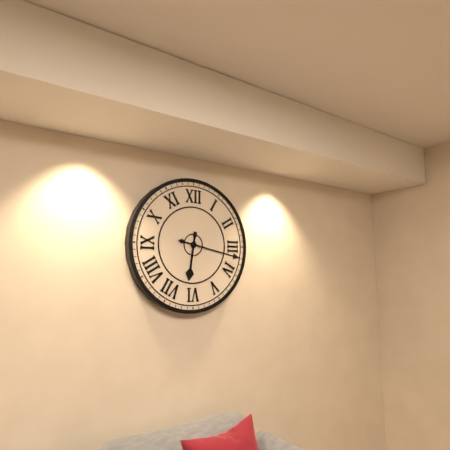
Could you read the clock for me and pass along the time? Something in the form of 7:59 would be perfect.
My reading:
6:17
